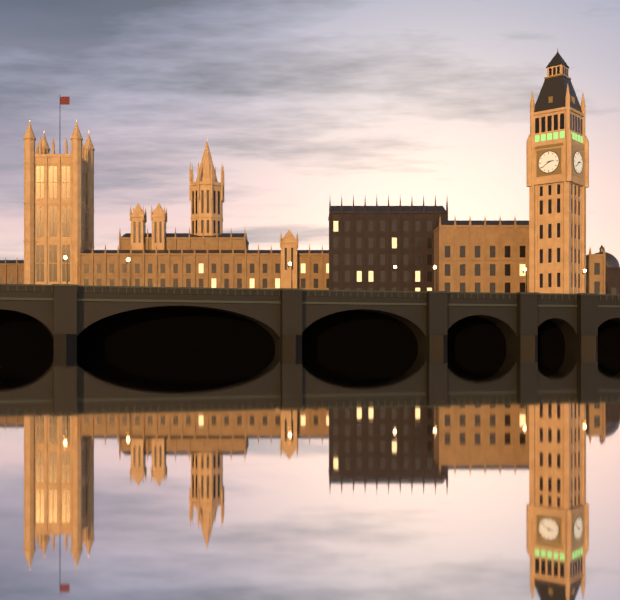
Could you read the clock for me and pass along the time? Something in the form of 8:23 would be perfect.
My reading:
2:39
